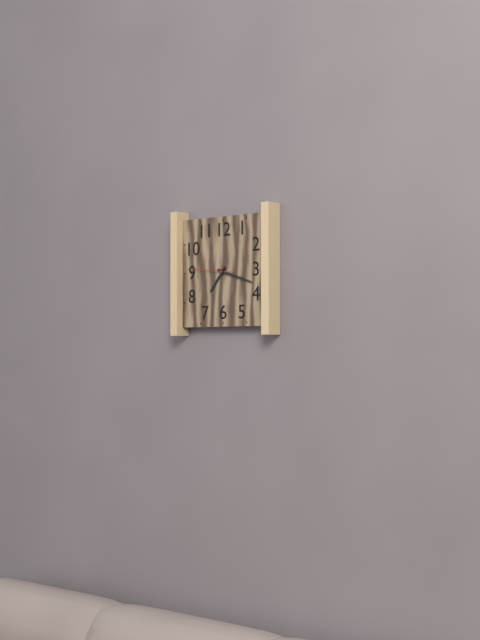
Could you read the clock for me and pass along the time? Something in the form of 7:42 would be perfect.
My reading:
7:18
